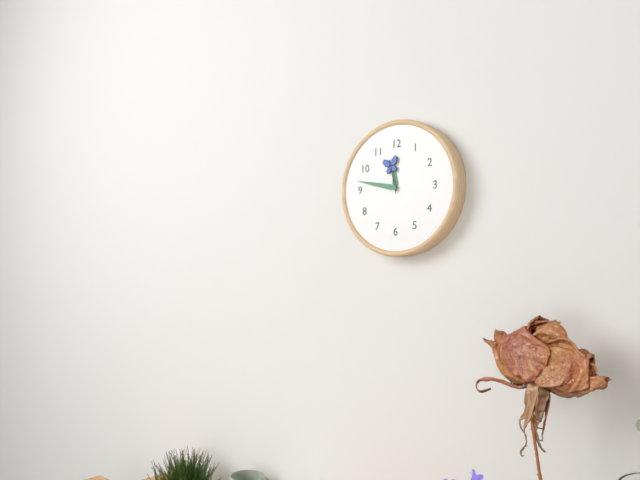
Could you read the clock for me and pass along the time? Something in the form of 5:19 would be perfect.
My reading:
11:47
